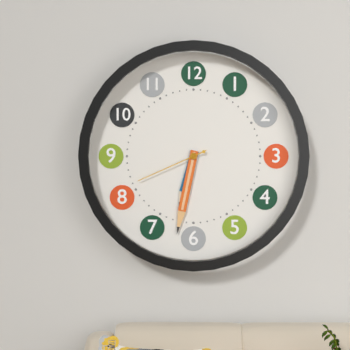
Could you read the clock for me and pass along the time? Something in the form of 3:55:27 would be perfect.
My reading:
6:32:41
